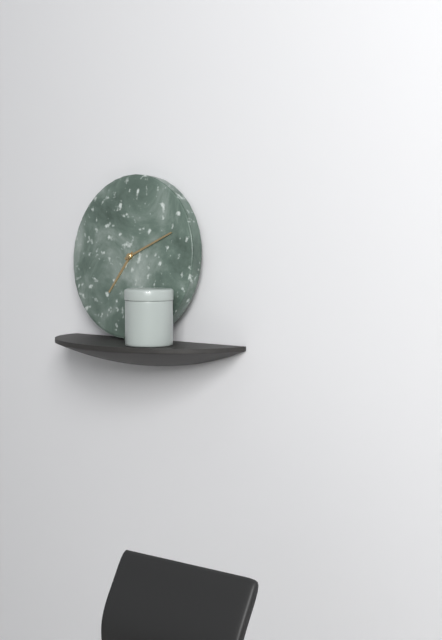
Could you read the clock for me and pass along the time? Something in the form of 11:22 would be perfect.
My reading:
7:11
